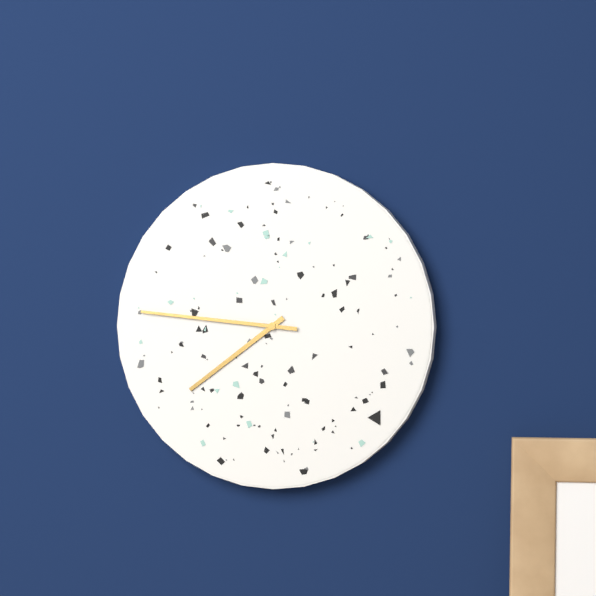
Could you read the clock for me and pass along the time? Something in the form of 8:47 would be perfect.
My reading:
7:46
